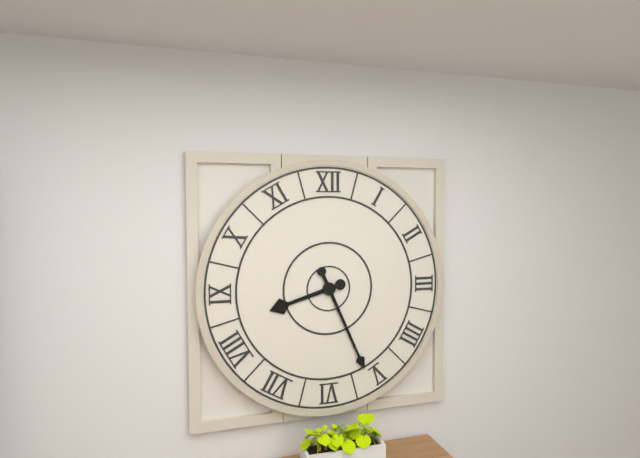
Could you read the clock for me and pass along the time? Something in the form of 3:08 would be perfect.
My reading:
8:26
